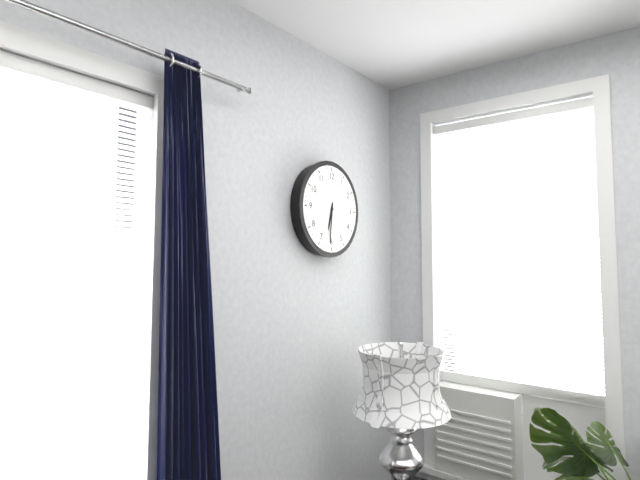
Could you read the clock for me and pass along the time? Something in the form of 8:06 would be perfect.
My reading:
6:31
